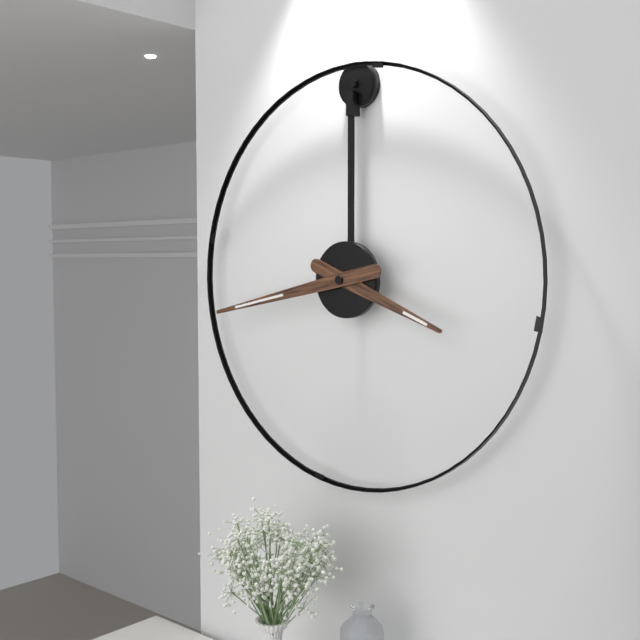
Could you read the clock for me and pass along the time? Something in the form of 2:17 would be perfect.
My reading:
3:43
